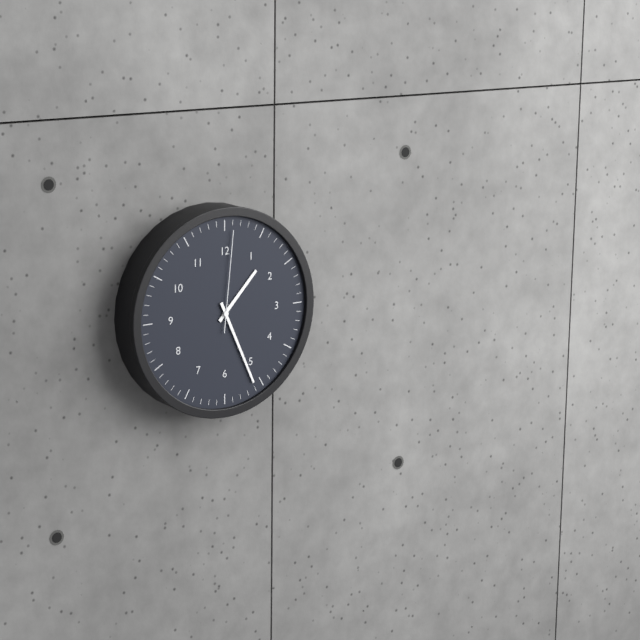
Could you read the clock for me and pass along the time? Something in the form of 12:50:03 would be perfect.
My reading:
1:26:01
